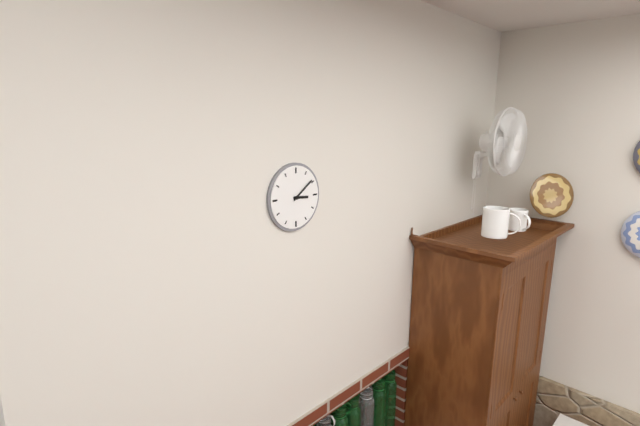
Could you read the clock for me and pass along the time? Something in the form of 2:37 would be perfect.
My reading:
3:09
